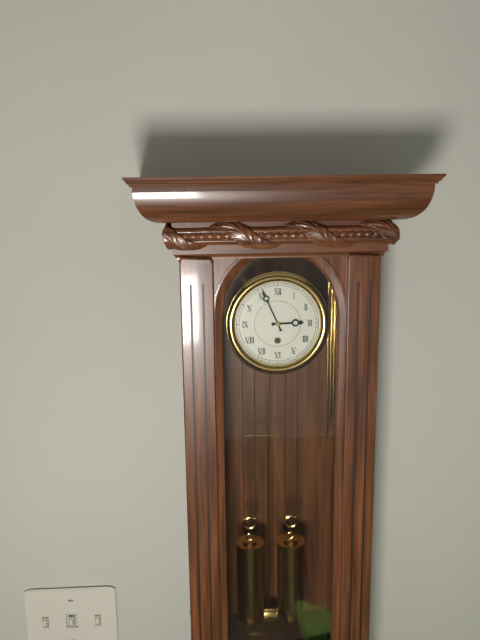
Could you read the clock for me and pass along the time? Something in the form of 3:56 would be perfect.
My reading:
2:56
